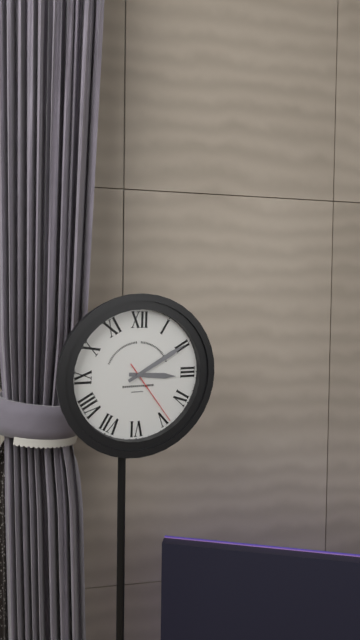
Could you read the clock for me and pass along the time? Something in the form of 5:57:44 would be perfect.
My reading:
3:10:24
